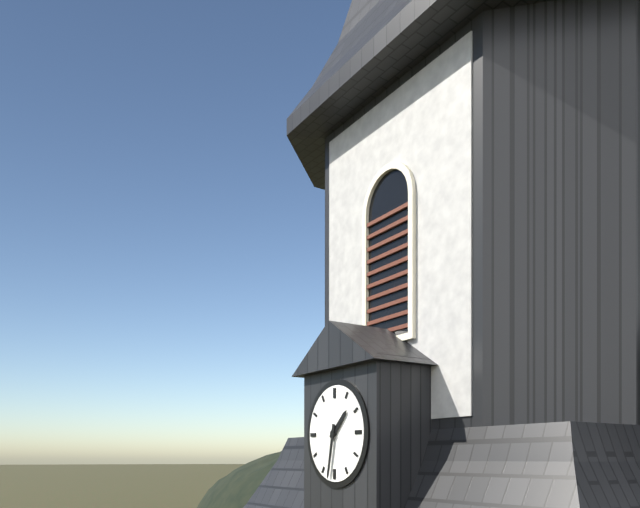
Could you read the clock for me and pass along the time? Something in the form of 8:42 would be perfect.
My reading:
1:32
